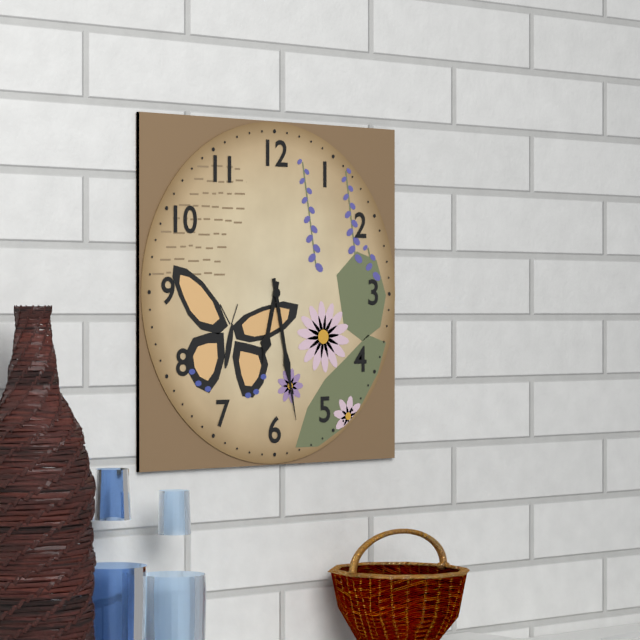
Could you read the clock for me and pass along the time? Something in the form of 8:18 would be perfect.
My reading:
6:28
